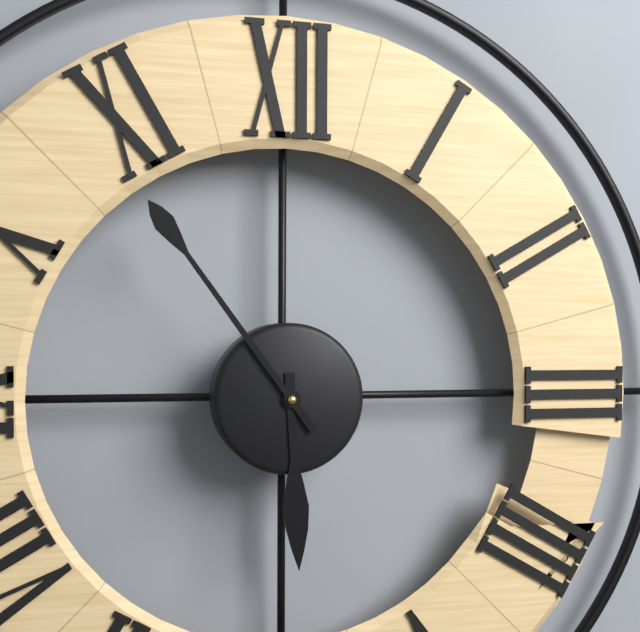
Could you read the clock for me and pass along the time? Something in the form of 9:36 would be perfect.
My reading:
5:54
